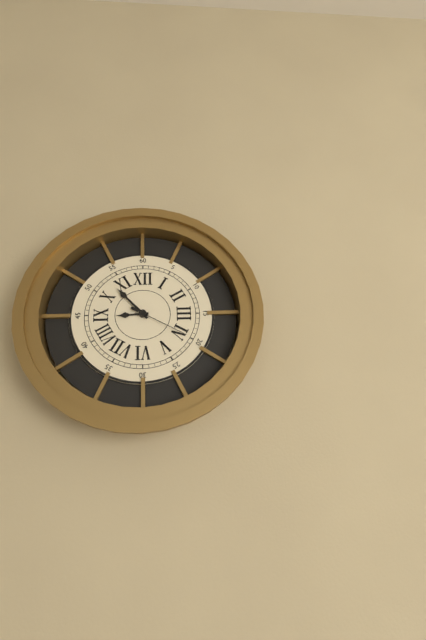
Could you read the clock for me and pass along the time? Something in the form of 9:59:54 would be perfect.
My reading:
8:53:20
